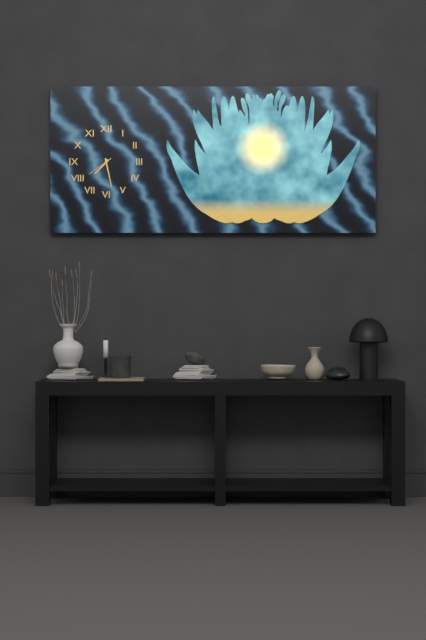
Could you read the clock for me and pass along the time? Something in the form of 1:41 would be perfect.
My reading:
7:28
